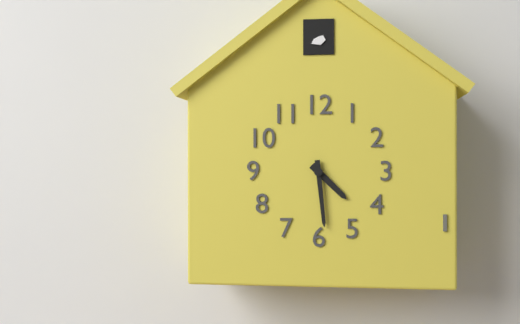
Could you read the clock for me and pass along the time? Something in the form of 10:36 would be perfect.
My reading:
4:29
